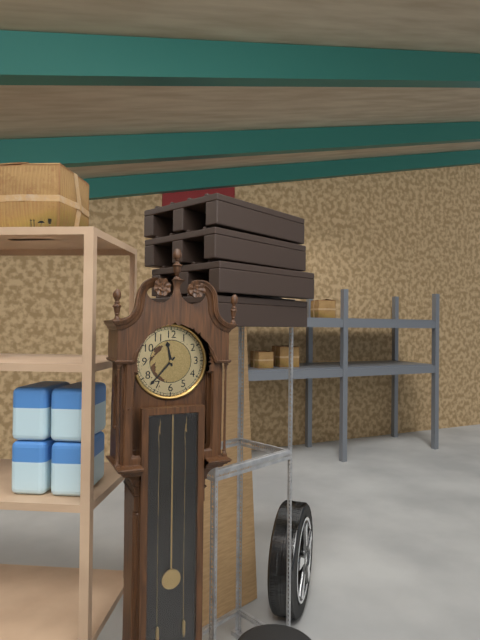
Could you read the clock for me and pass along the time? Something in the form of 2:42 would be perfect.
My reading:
11:37
